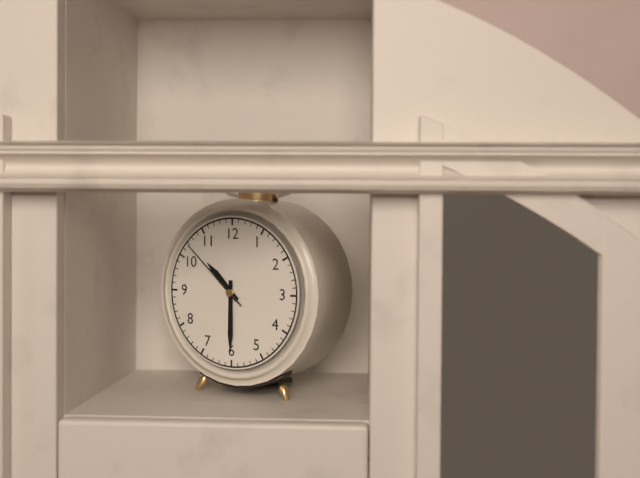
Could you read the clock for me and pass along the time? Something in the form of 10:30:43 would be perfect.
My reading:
10:30:52
